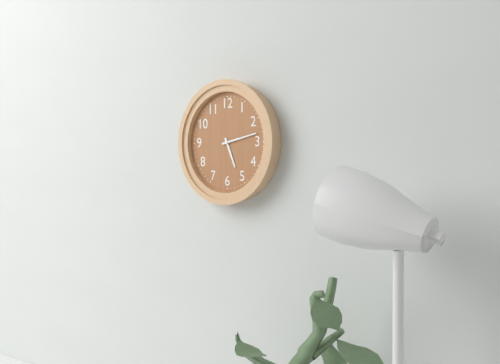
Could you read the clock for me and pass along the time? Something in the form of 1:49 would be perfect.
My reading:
5:13
